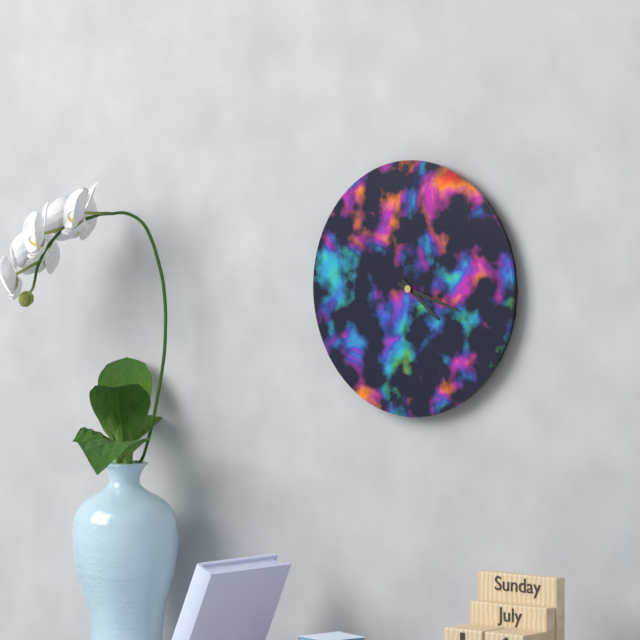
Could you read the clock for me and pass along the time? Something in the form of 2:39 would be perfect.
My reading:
4:18
